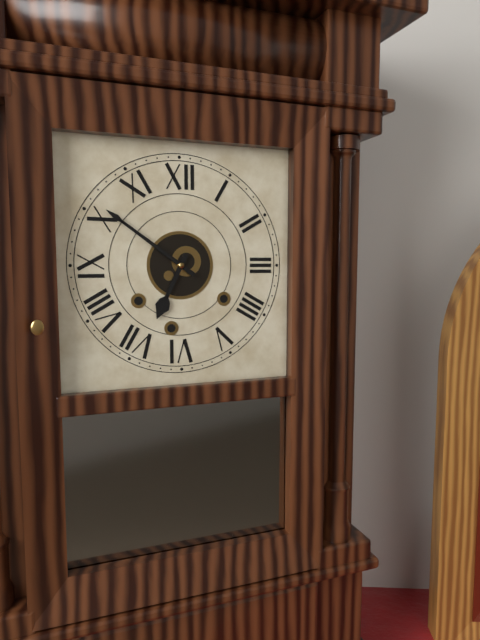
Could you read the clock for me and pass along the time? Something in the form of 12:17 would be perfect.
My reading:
6:51
